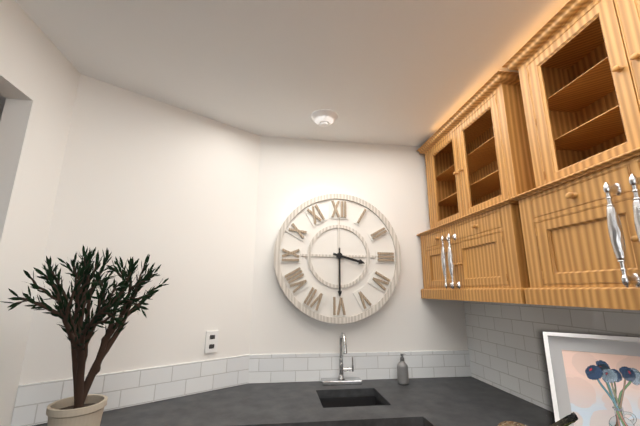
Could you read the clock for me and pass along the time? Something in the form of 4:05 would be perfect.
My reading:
3:30
